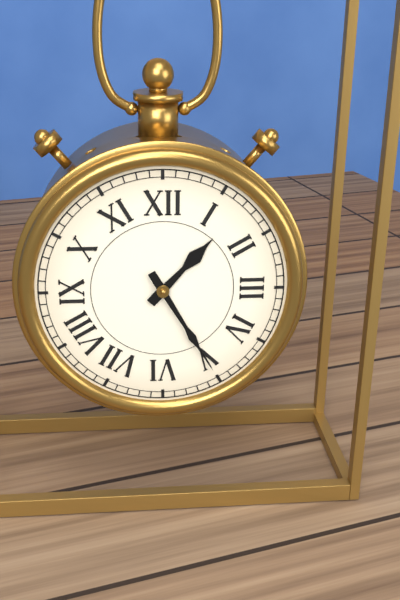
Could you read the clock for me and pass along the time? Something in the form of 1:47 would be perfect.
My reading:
1:25
